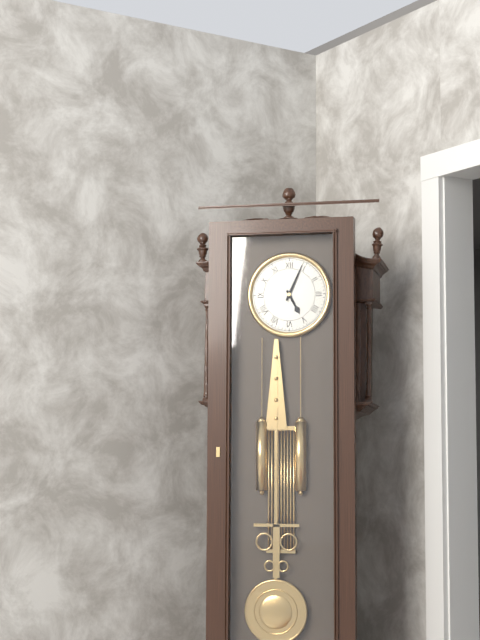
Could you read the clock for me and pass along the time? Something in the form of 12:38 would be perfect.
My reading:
5:04
